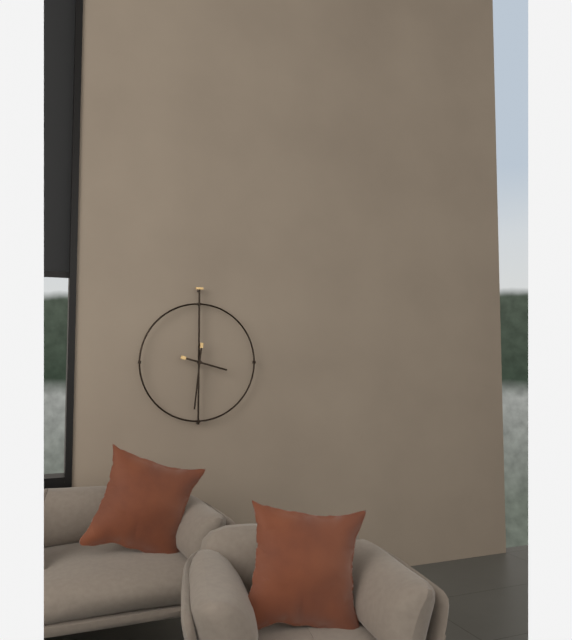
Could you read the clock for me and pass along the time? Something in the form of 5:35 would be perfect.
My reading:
3:31
